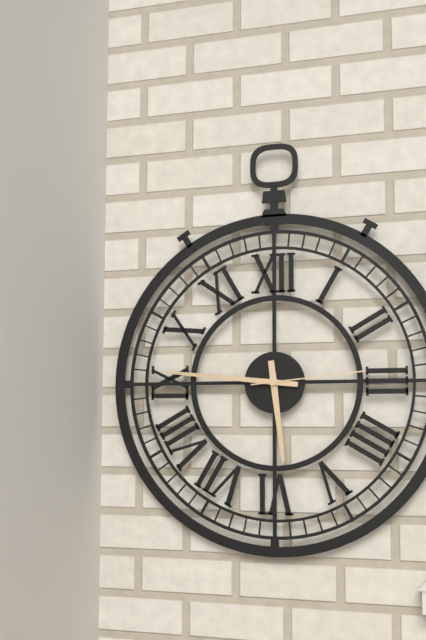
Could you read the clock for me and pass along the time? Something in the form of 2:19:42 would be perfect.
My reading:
5:46:14
